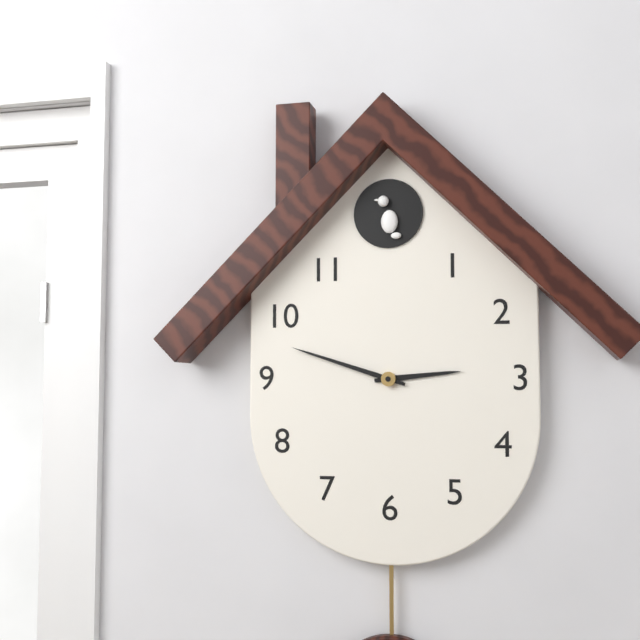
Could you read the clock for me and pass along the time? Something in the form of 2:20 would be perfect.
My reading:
2:48
